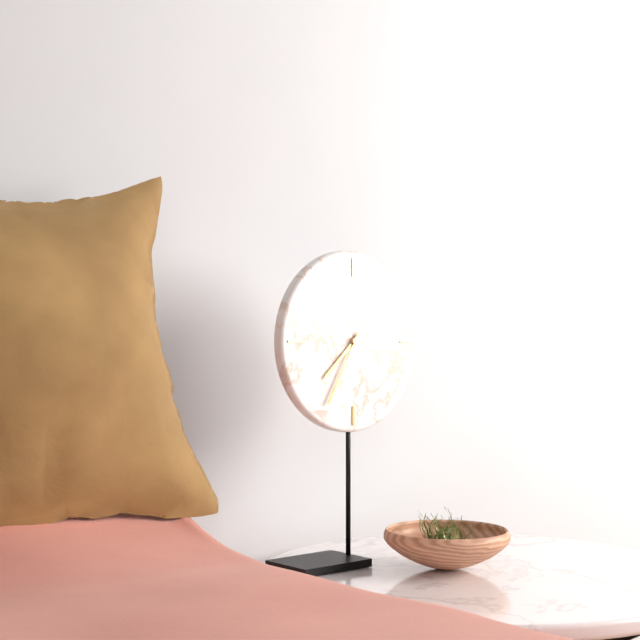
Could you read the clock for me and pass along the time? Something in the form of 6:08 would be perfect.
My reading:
7:35
